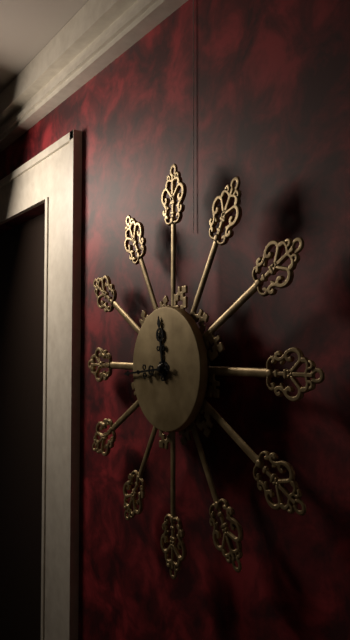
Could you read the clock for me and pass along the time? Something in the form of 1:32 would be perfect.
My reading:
11:44
